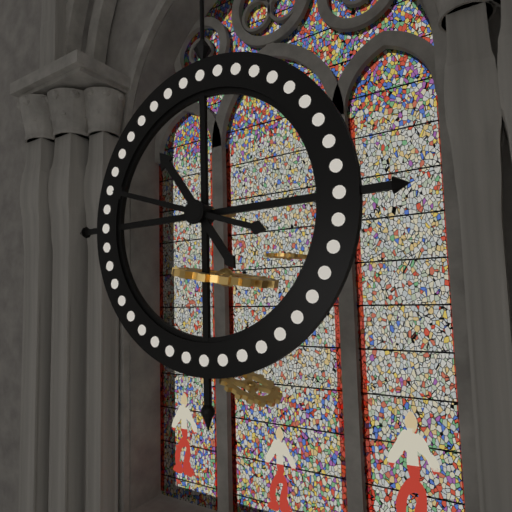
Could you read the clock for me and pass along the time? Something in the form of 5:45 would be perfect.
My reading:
10:48
